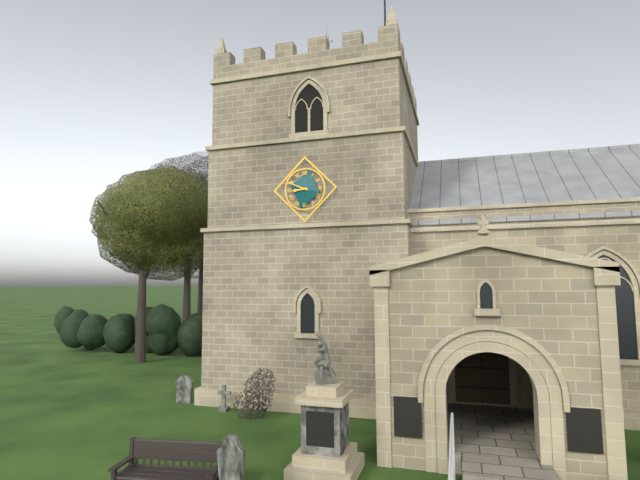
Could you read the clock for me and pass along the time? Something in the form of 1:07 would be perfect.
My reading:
8:49
